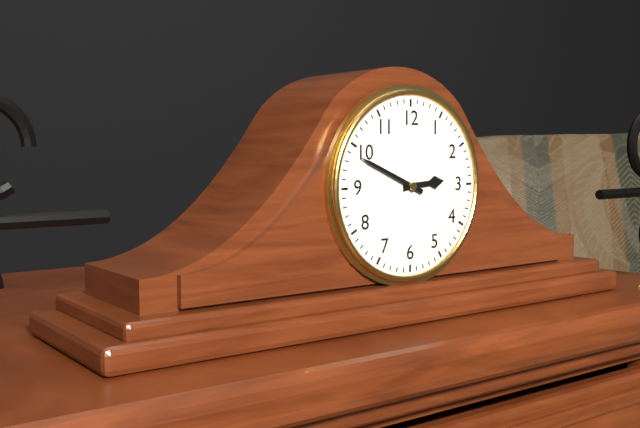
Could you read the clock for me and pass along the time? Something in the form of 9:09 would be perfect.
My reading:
2:49
